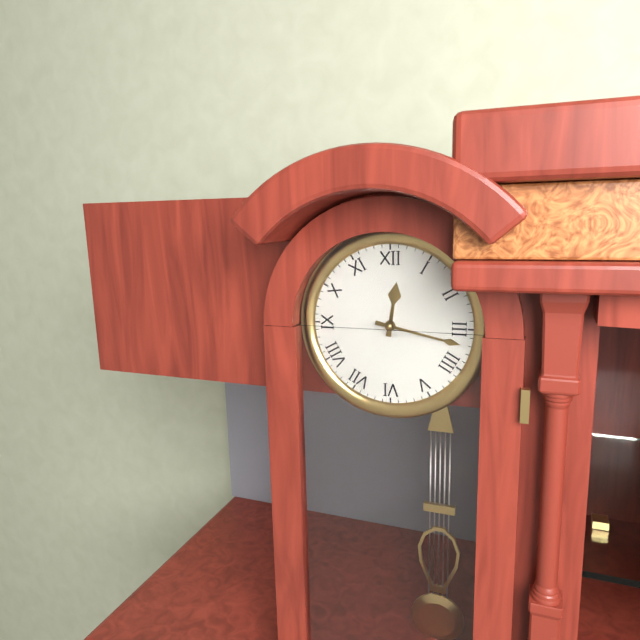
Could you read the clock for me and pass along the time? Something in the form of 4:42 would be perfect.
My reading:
12:17
